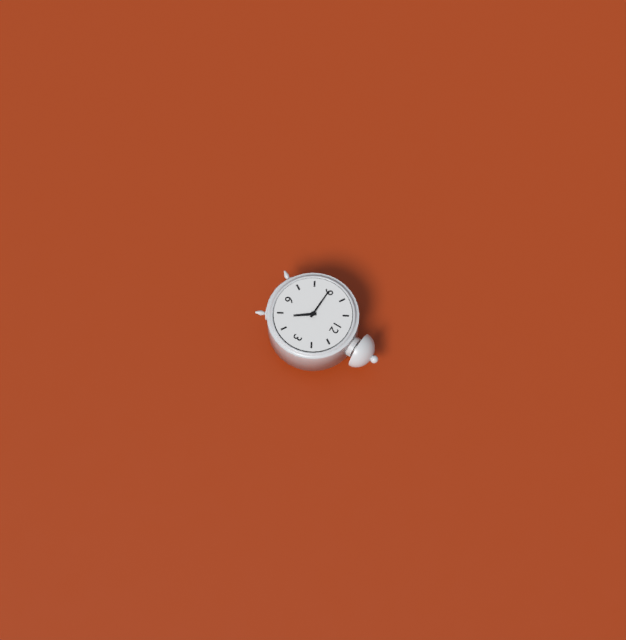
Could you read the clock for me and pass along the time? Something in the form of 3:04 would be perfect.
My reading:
4:45
